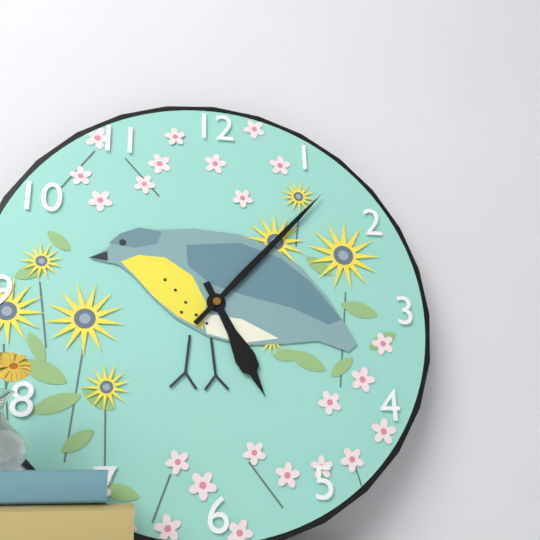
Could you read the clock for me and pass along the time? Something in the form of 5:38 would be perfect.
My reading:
5:07
